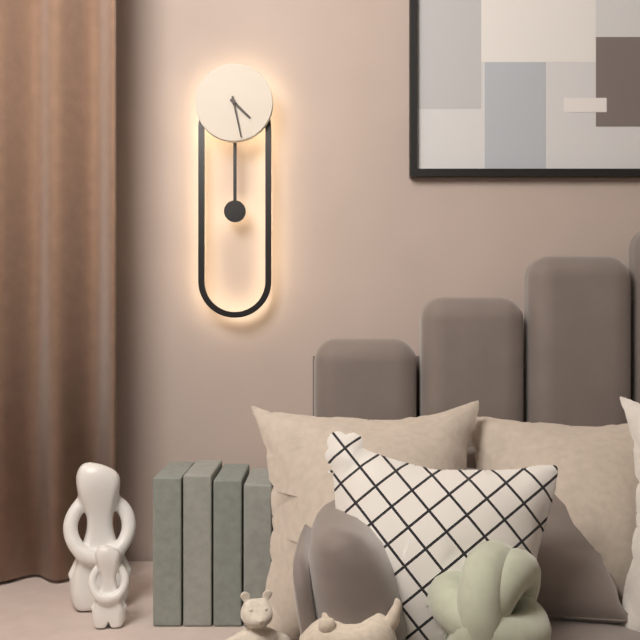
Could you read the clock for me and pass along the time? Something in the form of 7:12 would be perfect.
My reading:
4:28
